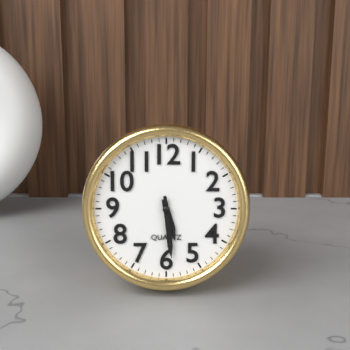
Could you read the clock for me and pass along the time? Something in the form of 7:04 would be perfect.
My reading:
5:29
